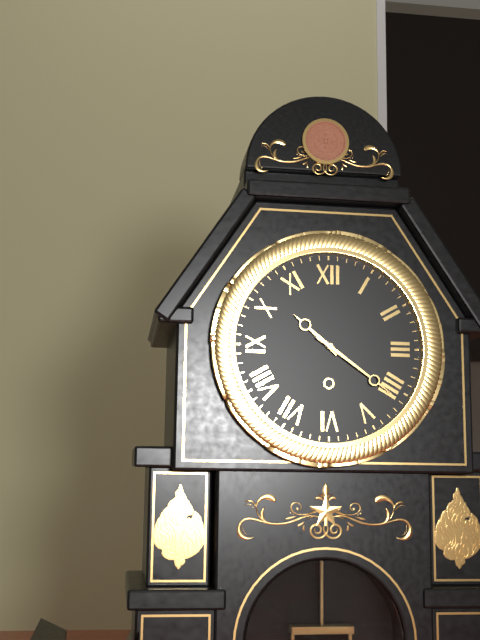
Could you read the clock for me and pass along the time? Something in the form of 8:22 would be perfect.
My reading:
10:21
